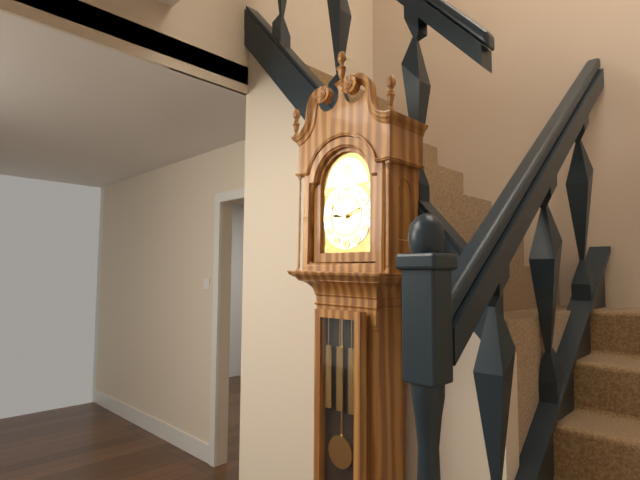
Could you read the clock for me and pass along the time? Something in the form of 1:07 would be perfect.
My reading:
9:12
